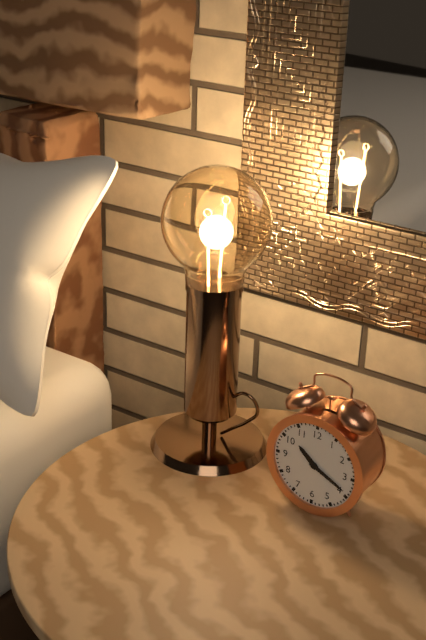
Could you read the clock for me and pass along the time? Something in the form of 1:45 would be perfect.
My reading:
10:19
